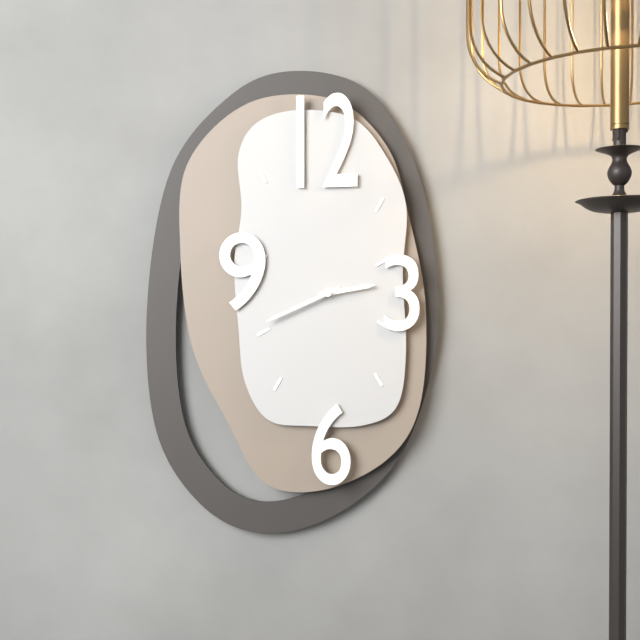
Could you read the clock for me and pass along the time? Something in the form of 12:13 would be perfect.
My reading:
2:41
